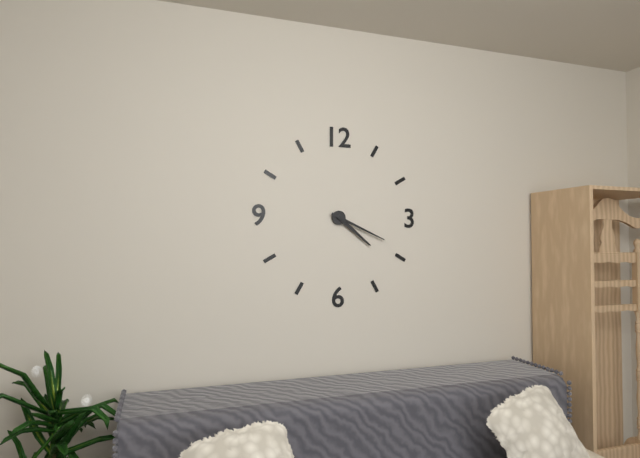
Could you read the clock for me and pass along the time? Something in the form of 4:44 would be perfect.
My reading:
4:19
